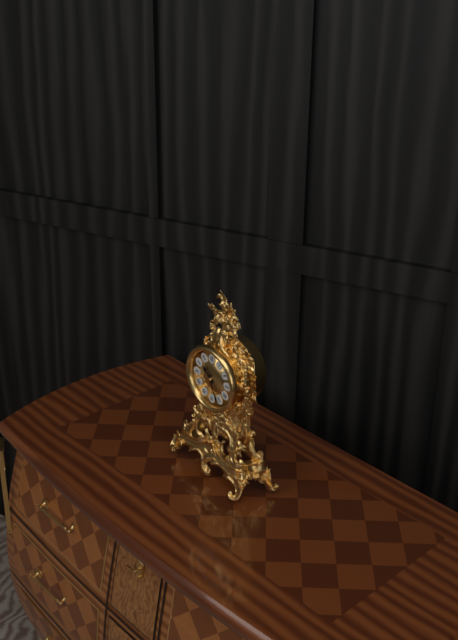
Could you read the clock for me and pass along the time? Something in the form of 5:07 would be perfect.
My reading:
10:26
